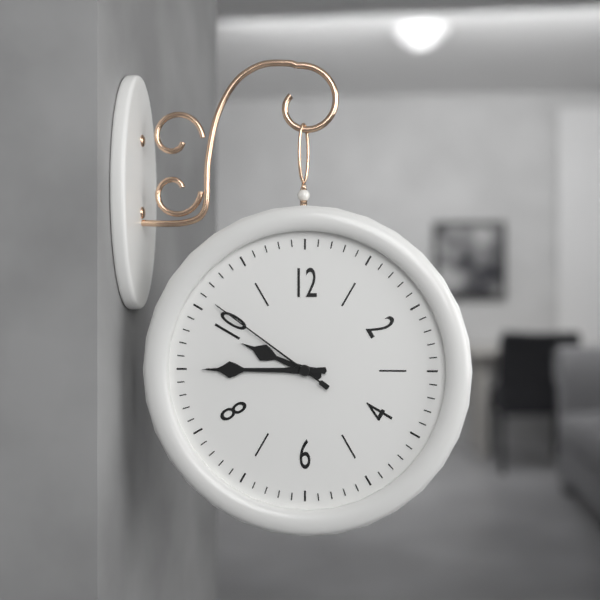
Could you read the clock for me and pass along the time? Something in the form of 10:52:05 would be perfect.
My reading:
9:45:51
